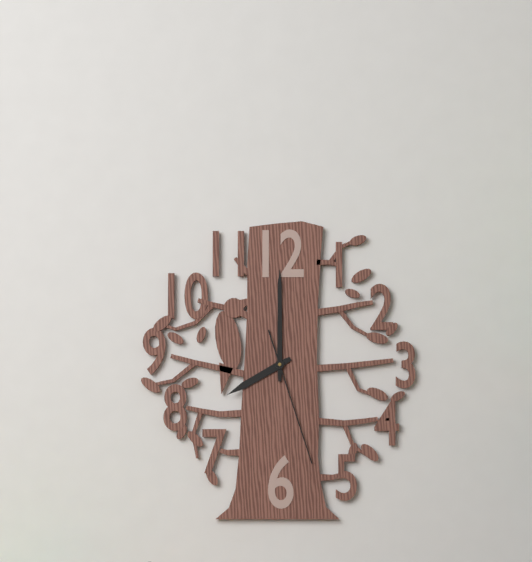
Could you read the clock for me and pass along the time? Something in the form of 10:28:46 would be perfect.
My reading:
8:00:27
